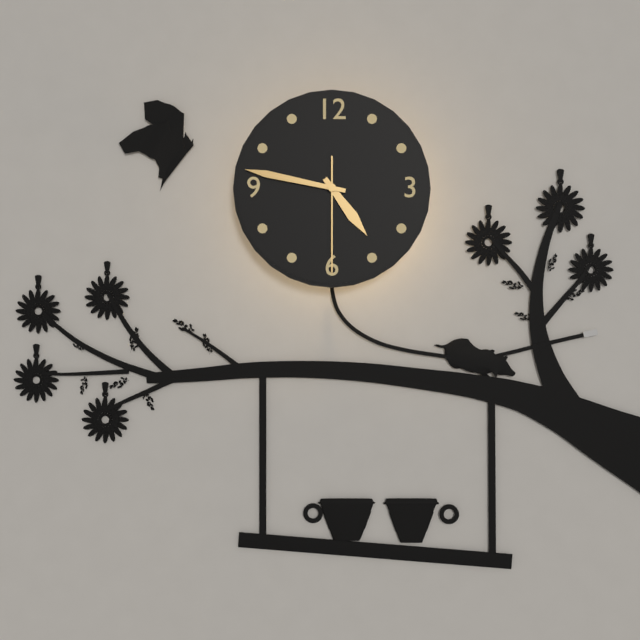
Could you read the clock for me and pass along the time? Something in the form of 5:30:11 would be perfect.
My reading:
4:47:30
